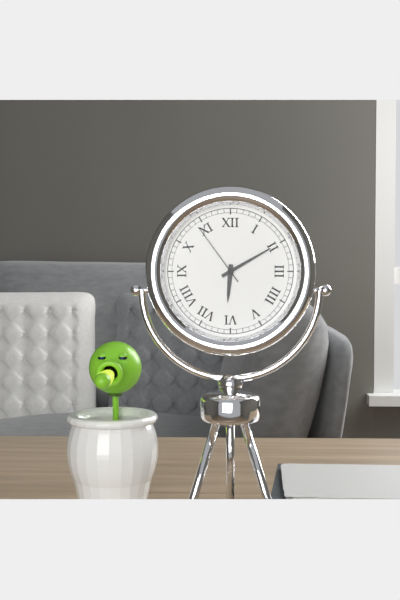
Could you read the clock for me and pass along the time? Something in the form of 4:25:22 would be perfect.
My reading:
6:10:54
